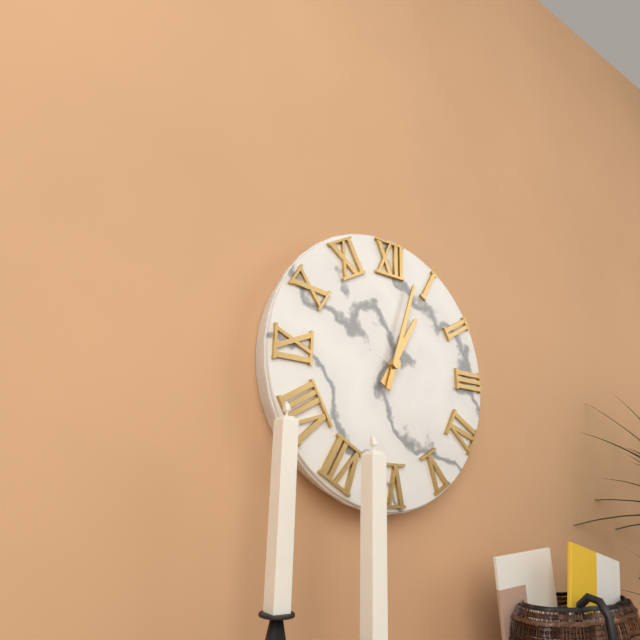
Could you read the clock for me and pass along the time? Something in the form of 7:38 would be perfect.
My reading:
1:03
